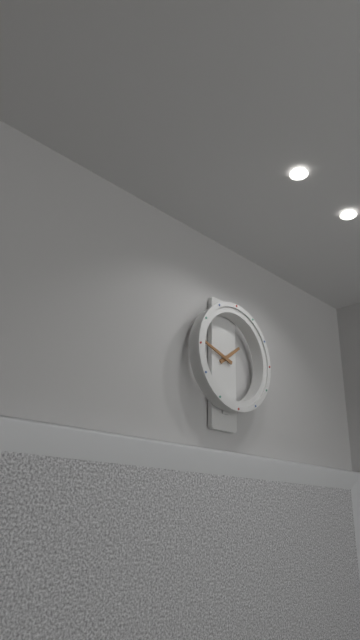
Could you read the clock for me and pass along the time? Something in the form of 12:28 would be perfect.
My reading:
1:48
